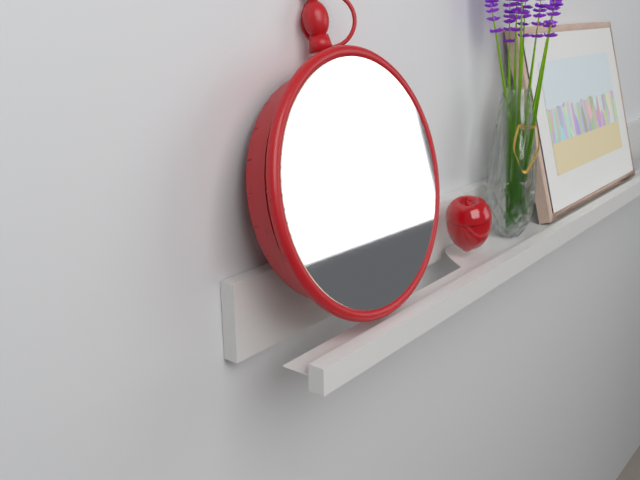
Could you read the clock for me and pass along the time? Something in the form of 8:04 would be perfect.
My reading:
9:20
